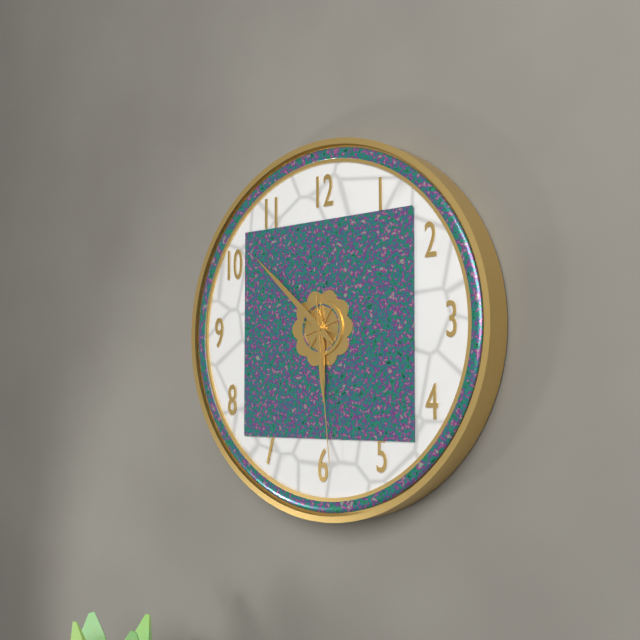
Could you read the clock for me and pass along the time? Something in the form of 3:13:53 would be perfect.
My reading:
5:52:29
